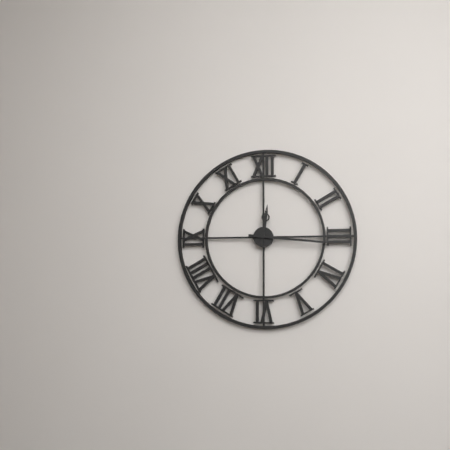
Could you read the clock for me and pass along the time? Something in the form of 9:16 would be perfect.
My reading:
12:16
